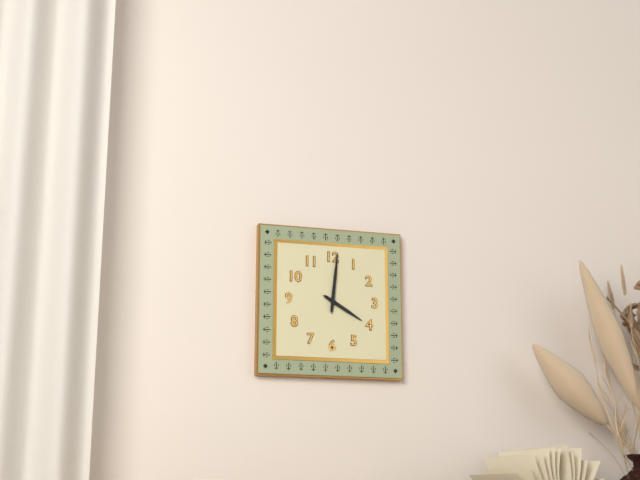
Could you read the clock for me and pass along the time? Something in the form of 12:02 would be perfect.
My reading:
4:01
